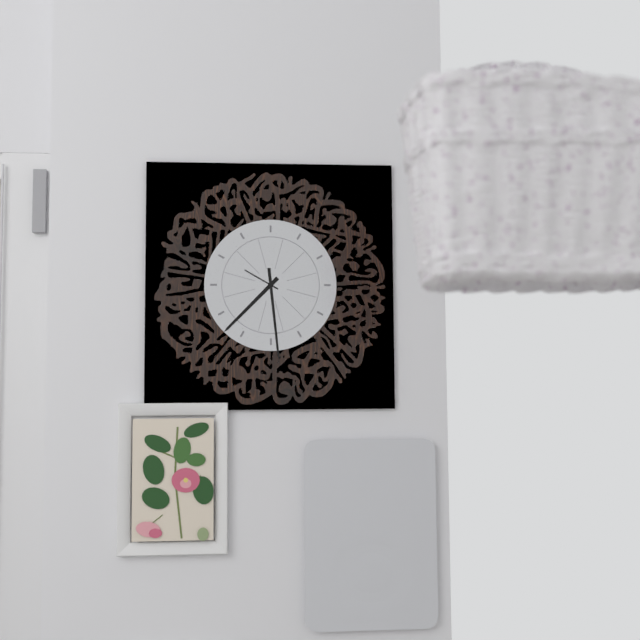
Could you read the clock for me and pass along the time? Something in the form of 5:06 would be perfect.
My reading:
7:29
